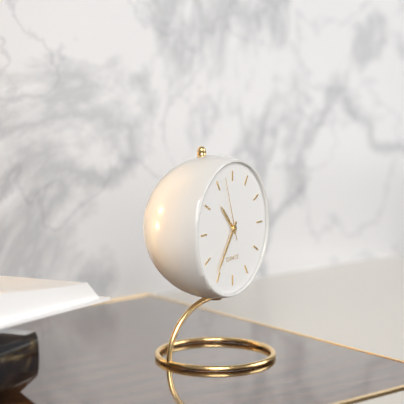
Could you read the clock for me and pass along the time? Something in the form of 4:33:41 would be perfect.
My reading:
10:36:57
